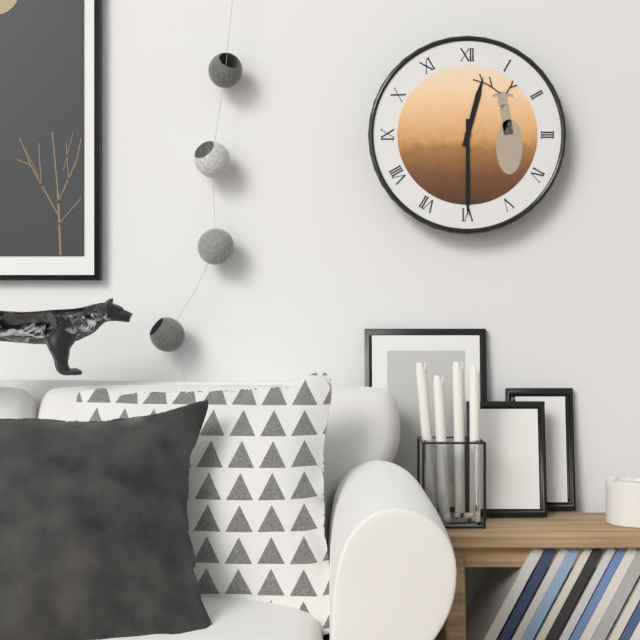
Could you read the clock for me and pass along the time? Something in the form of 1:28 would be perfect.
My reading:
12:30
